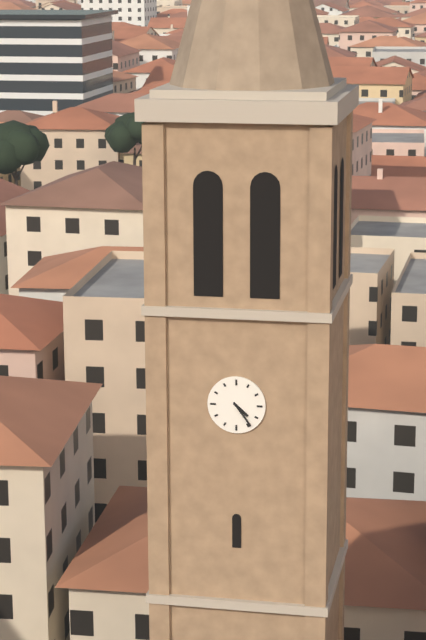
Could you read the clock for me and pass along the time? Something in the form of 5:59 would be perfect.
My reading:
4:24
